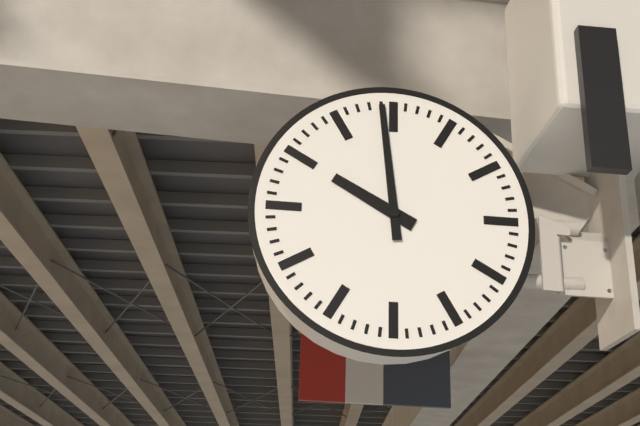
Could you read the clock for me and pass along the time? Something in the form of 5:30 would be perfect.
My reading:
9:59
